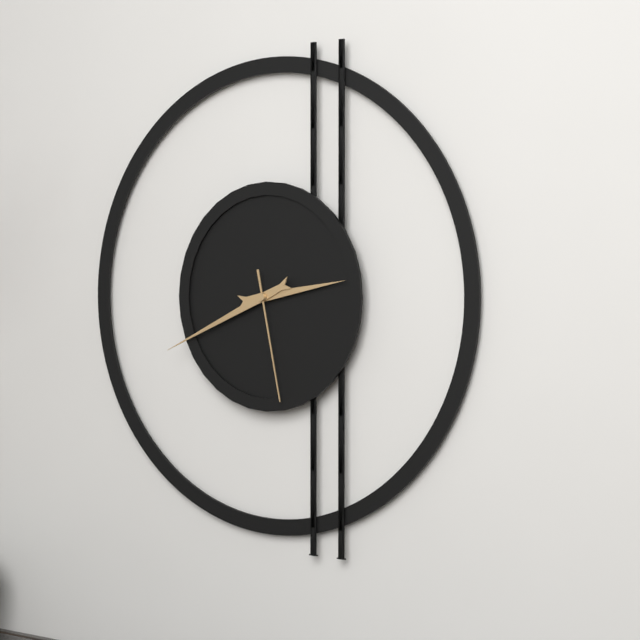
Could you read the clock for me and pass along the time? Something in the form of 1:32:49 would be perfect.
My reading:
2:41:28
